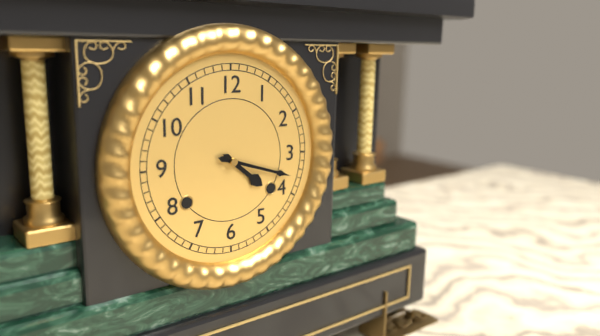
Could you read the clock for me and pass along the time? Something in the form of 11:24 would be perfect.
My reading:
4:18
